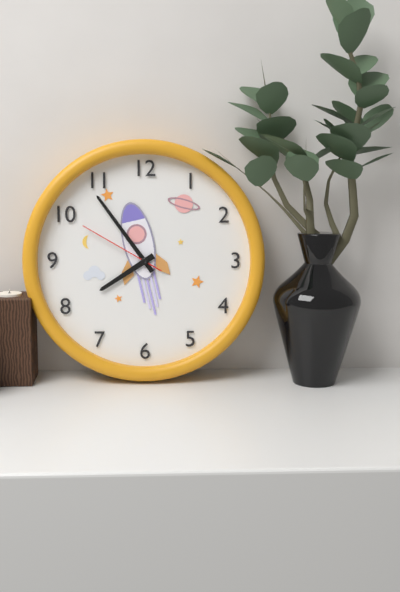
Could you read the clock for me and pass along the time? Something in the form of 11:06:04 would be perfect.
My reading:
7:54:50
